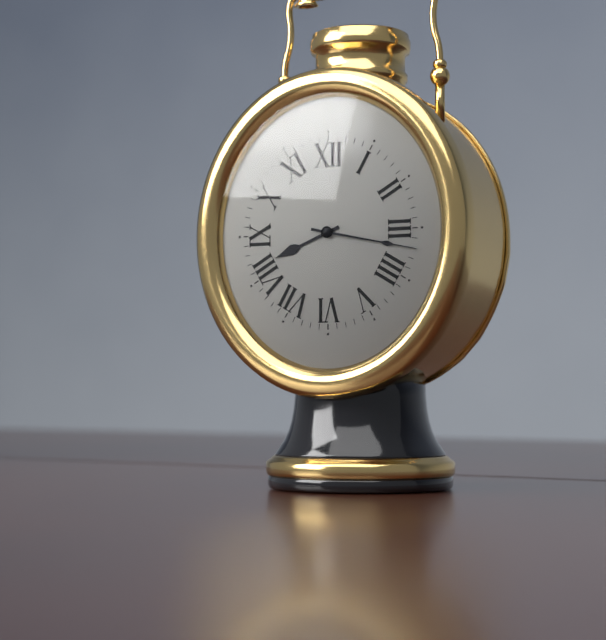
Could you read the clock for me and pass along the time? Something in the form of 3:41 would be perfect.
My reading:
8:17
